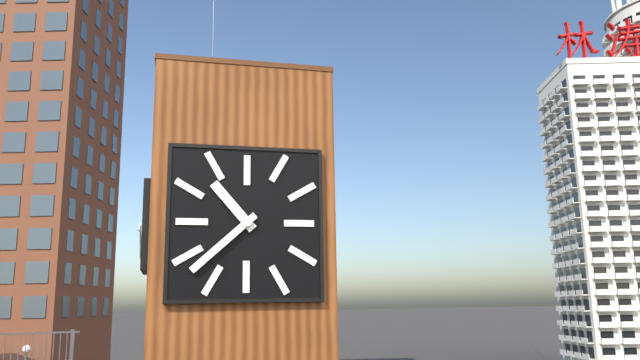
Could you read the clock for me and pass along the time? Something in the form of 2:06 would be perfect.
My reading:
10:38
